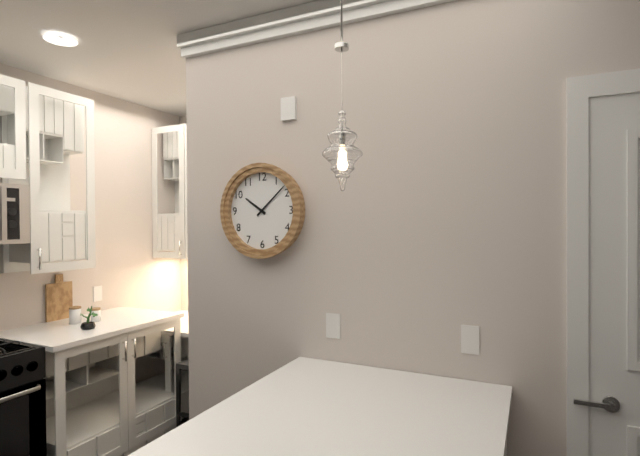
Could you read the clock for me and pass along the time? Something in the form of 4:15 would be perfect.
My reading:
10:08
